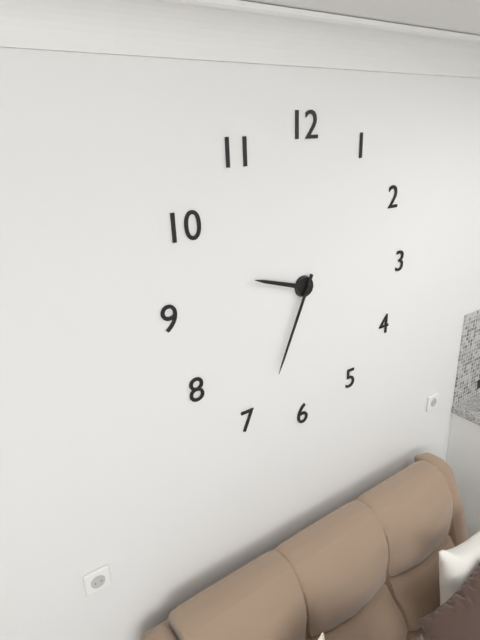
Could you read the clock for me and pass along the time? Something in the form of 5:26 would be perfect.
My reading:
9:34
